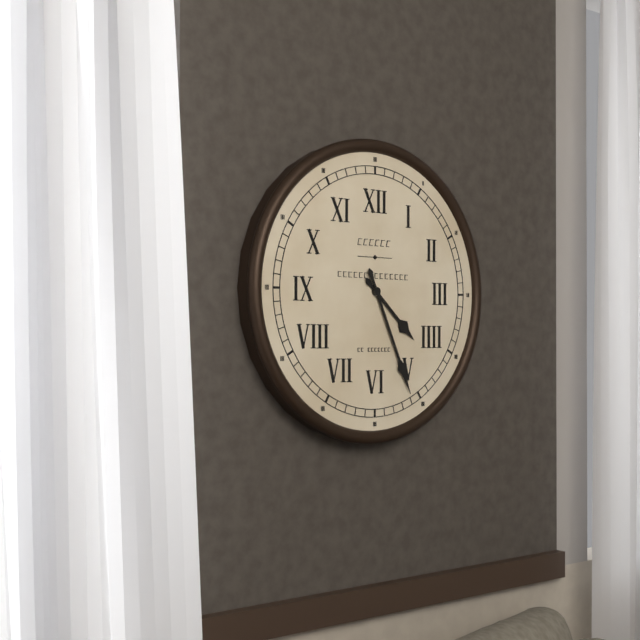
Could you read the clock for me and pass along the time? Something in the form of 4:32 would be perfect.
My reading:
4:26
